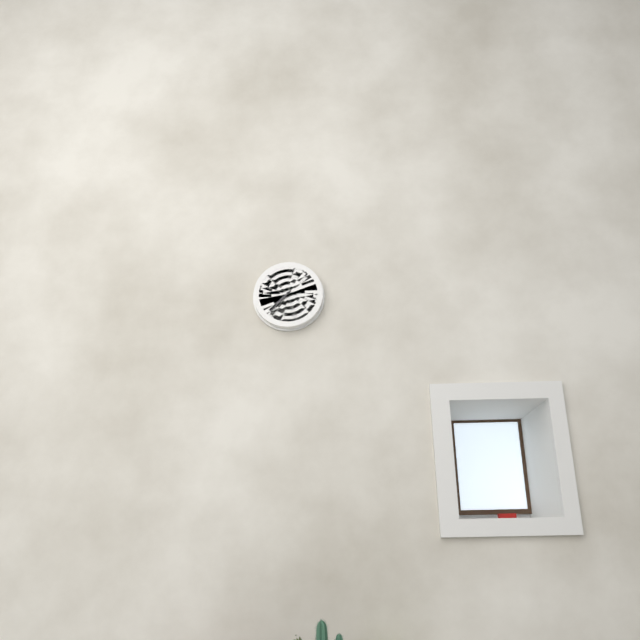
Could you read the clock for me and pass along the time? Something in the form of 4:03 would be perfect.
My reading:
7:37
